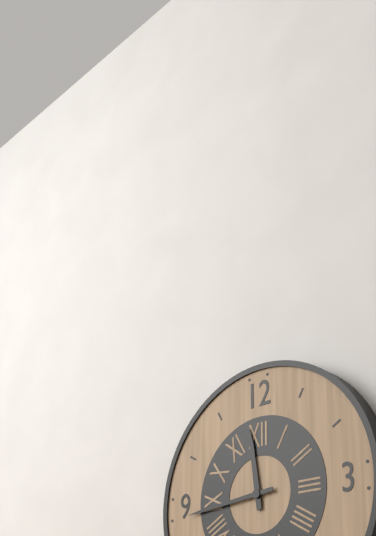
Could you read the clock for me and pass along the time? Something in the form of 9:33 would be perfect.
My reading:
11:44
